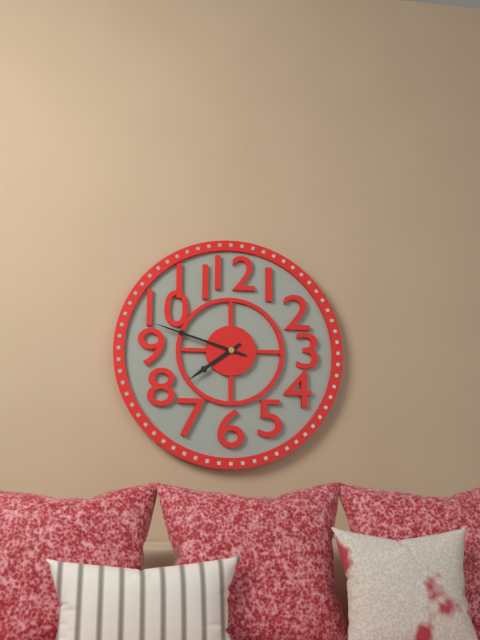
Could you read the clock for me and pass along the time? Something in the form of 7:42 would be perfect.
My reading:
7:48
